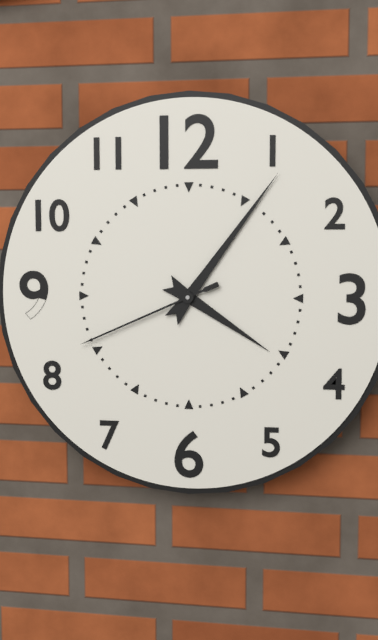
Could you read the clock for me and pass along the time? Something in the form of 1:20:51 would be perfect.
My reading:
4:06:41
